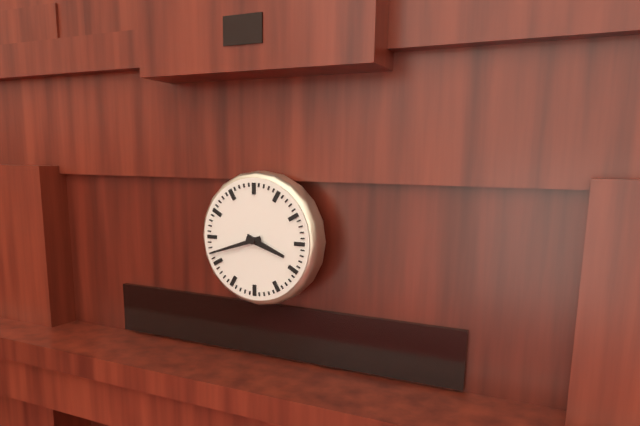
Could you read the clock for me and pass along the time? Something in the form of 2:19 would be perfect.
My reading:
3:42
